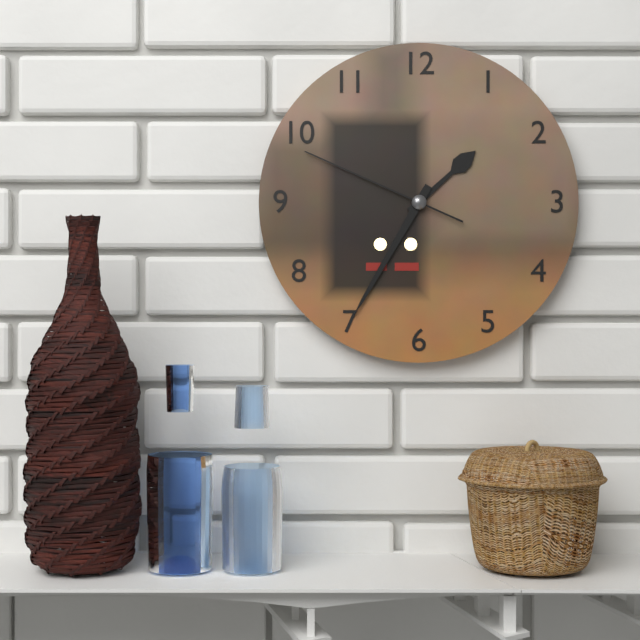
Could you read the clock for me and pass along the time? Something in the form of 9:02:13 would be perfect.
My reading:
1:35:49
